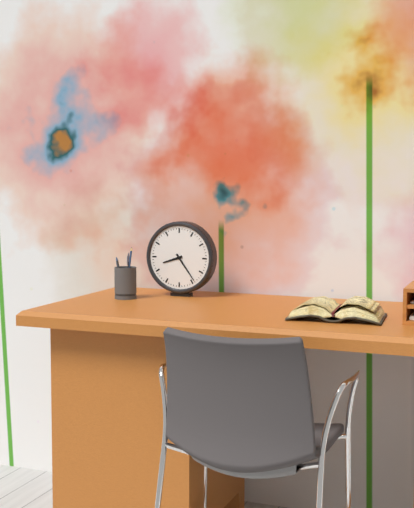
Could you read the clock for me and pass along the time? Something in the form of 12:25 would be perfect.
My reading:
8:24
